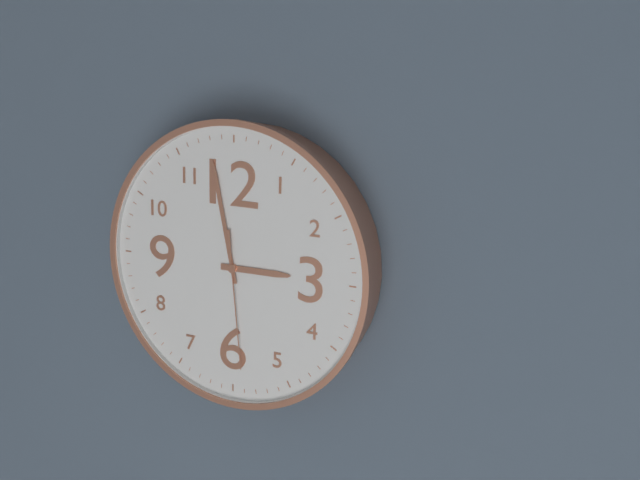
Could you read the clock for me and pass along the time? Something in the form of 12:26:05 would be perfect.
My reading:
2:58:29
